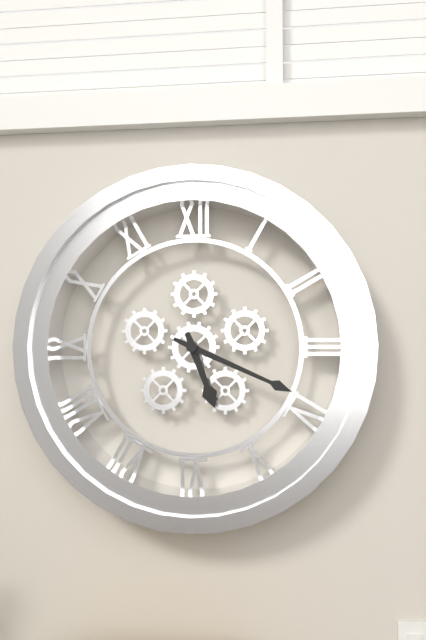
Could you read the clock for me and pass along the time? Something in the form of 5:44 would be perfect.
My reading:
5:19
